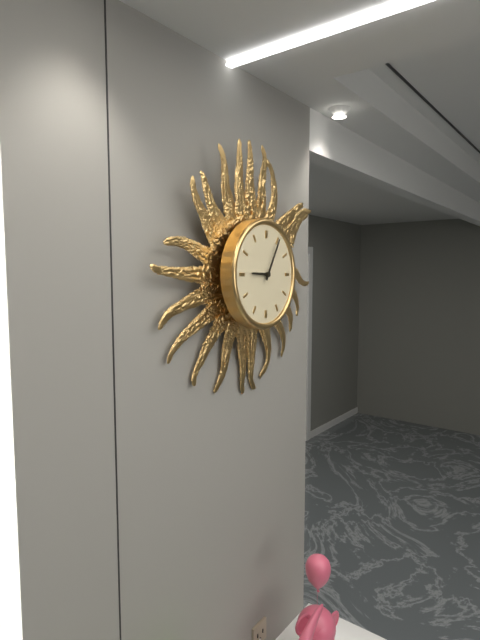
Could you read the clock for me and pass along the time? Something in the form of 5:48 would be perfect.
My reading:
9:05
